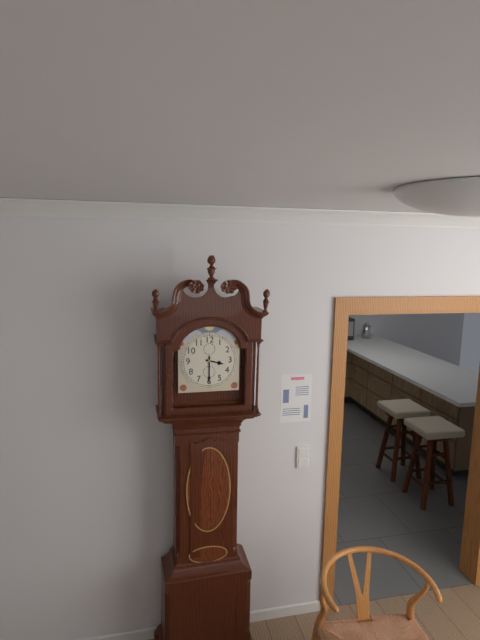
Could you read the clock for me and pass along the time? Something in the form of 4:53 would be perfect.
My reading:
3:30
